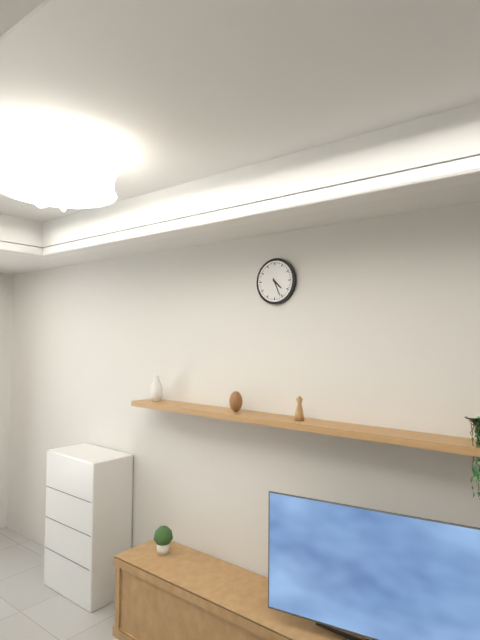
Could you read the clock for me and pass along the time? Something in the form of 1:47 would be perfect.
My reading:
4:26
